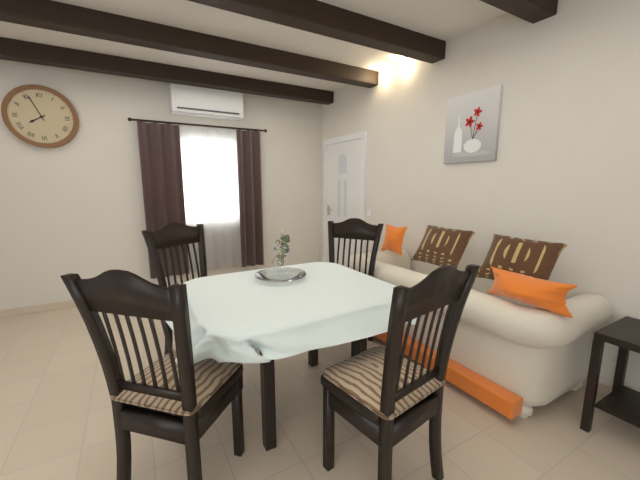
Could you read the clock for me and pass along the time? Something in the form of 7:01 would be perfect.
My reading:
7:56
